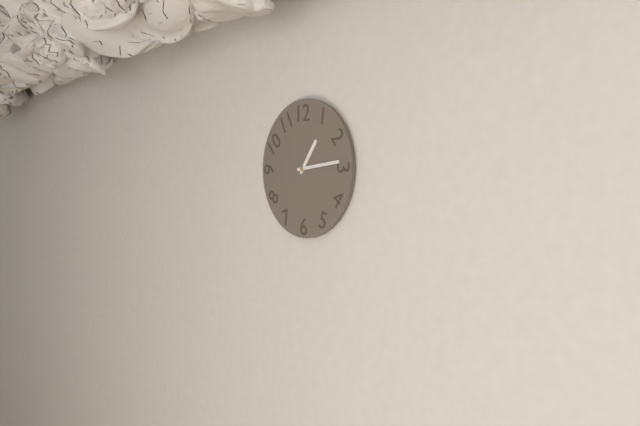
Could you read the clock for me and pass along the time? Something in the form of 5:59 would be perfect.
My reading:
1:14
